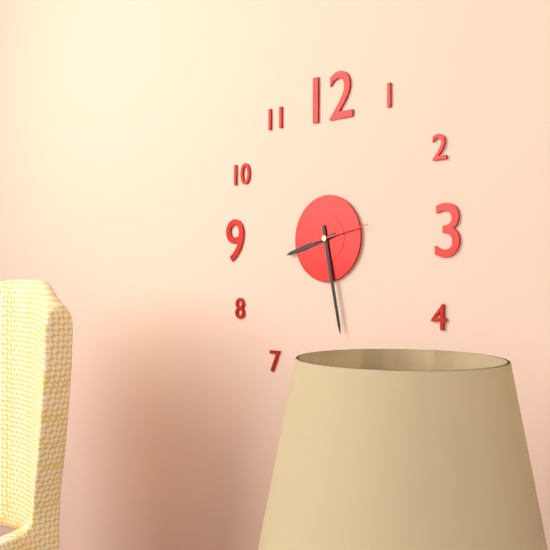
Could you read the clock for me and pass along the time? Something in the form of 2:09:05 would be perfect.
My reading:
8:28:13
